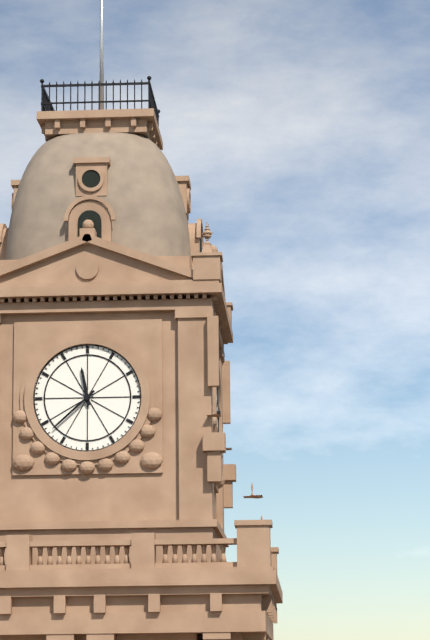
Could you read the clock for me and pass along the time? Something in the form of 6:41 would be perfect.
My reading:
11:38
